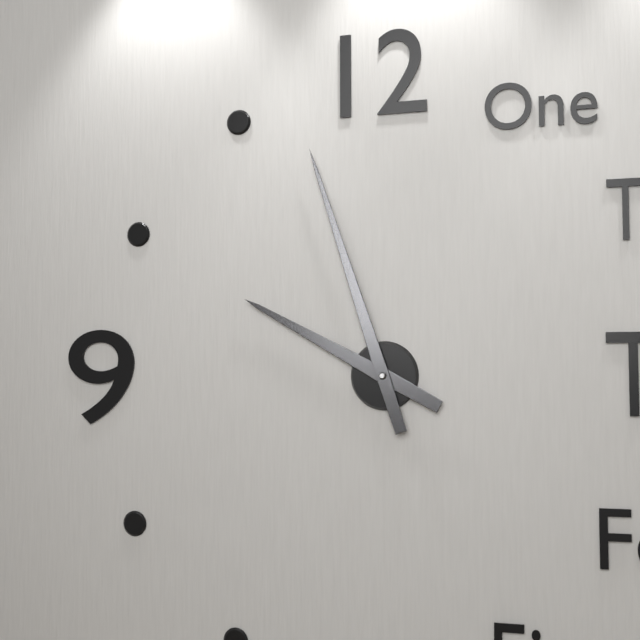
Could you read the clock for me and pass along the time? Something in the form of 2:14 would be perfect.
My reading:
9:57
